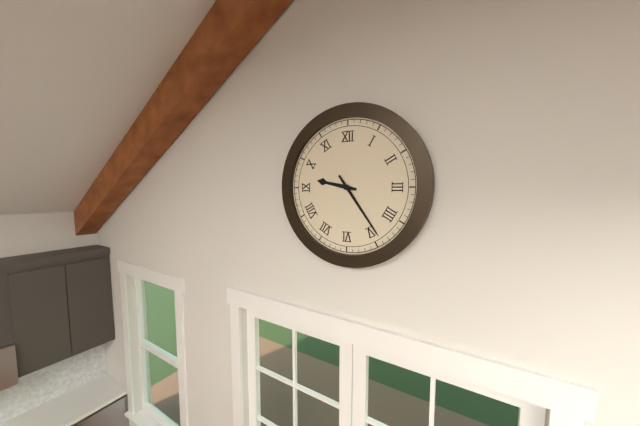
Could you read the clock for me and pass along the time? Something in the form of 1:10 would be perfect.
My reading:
9:24
